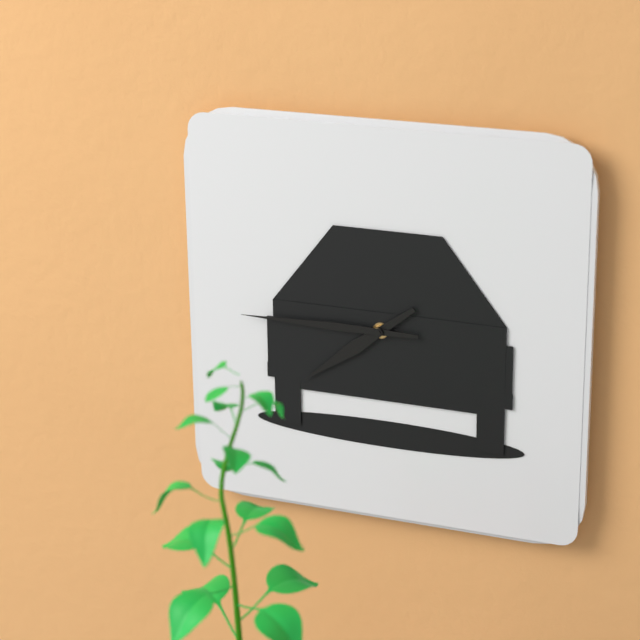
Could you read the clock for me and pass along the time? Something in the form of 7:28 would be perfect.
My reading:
7:45
